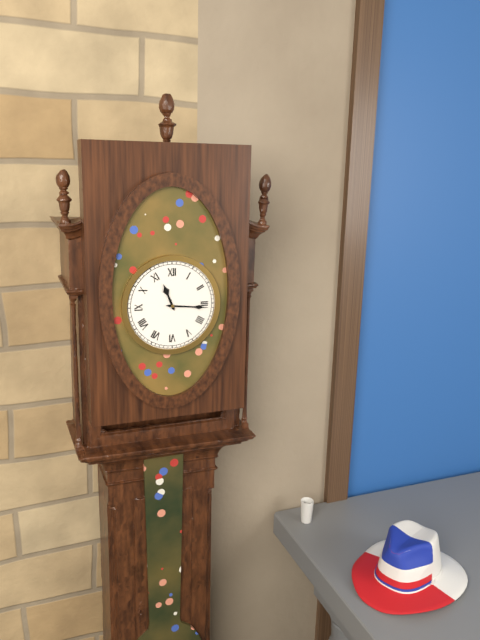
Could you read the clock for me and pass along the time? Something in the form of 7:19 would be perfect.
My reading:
11:16
